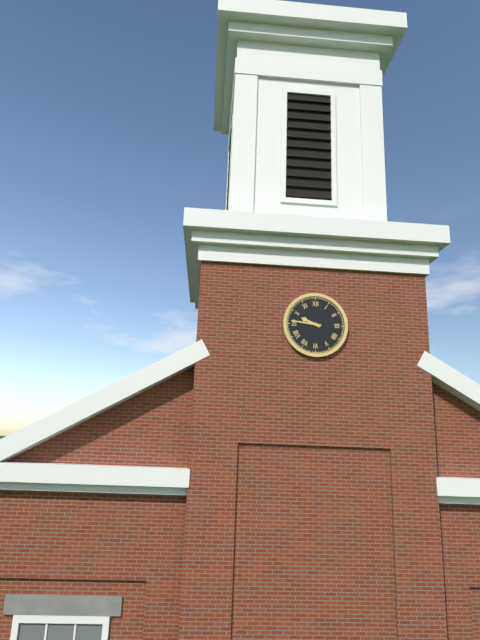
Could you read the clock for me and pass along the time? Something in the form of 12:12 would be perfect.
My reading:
9:46
